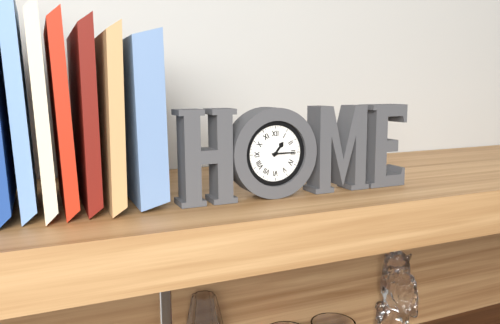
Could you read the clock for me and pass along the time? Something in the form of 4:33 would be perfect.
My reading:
1:15
